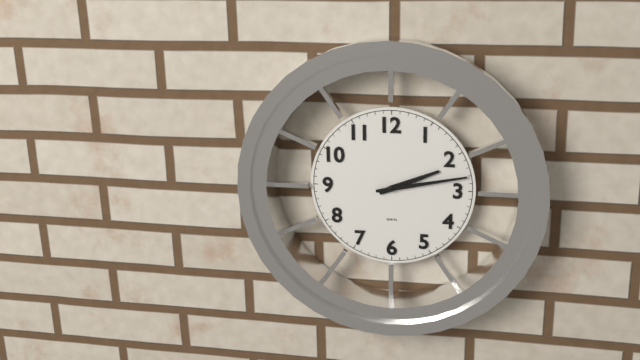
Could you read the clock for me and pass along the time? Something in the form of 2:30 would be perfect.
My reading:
2:13
